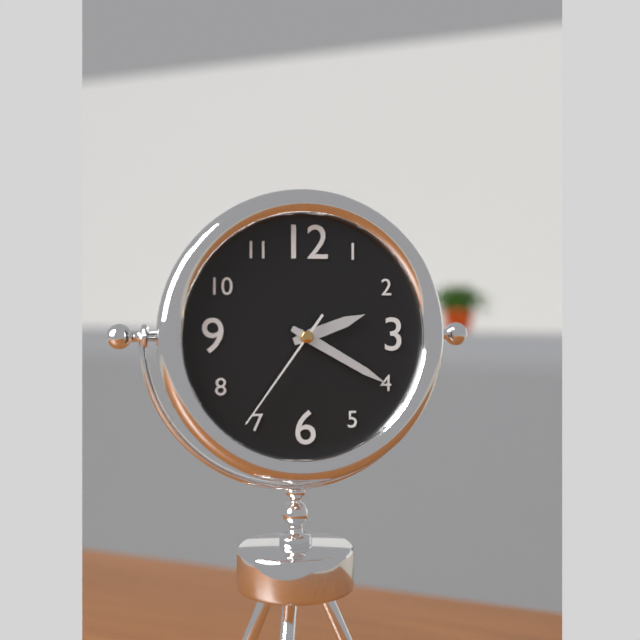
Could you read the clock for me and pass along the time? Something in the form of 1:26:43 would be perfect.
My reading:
2:20:36
